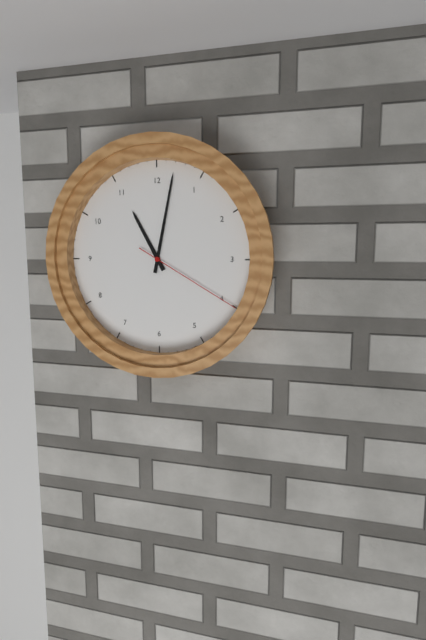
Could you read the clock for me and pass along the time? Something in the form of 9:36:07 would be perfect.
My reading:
11:02:20
